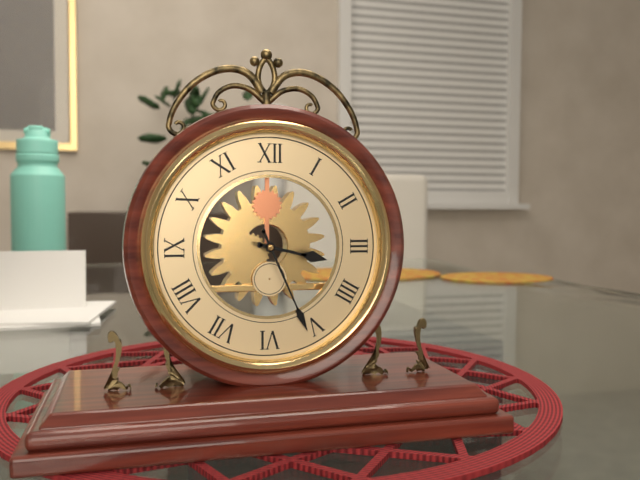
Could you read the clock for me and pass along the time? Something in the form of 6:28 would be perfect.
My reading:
3:26
